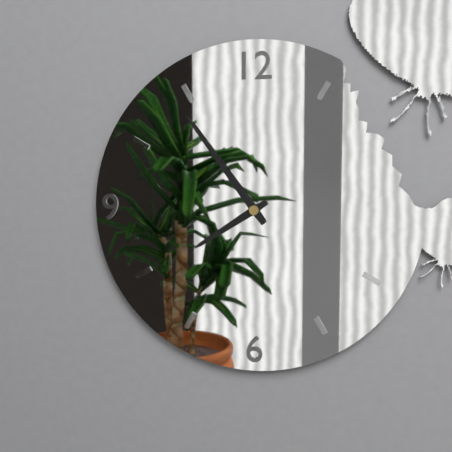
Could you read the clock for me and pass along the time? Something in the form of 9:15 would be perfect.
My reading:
7:54
